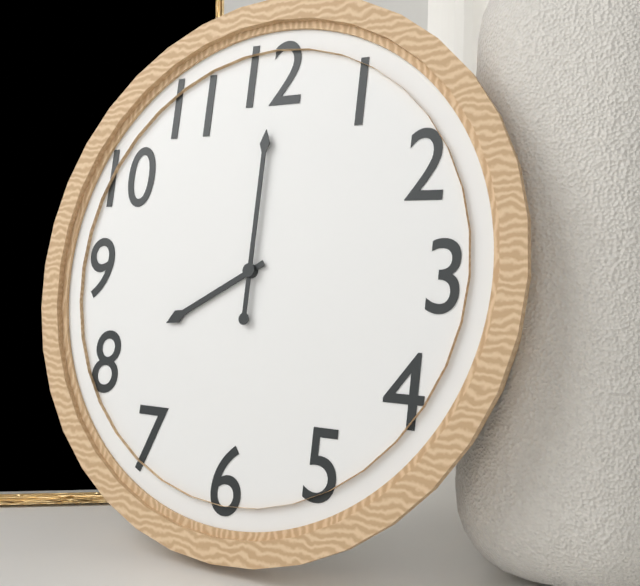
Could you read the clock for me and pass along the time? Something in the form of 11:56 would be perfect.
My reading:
8:00
